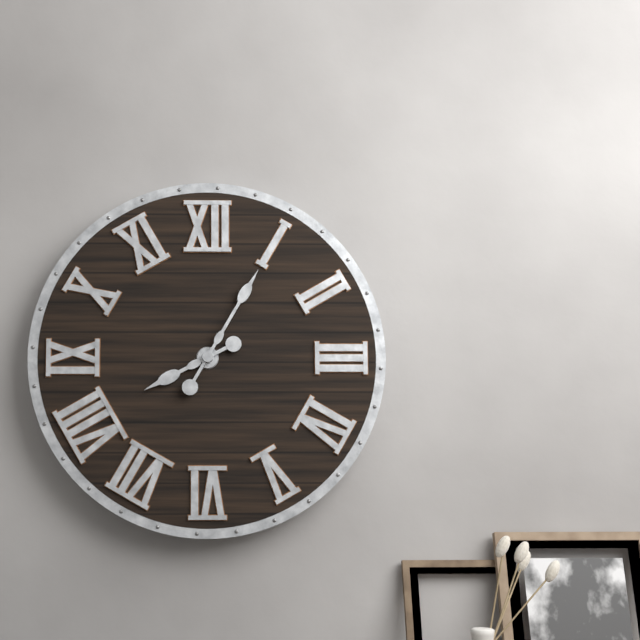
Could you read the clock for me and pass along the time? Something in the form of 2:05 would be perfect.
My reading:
8:05
